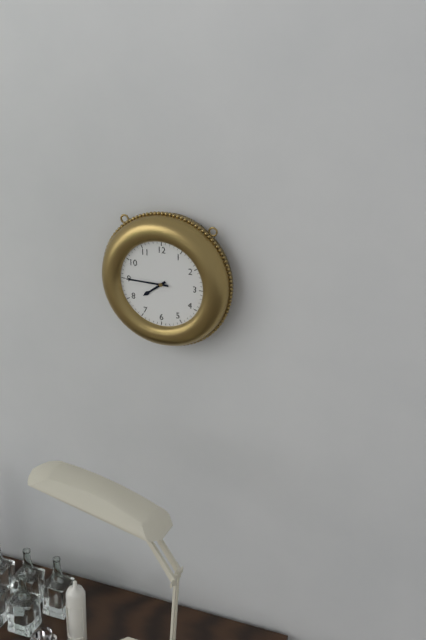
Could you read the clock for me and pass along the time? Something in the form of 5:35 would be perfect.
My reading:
7:45
